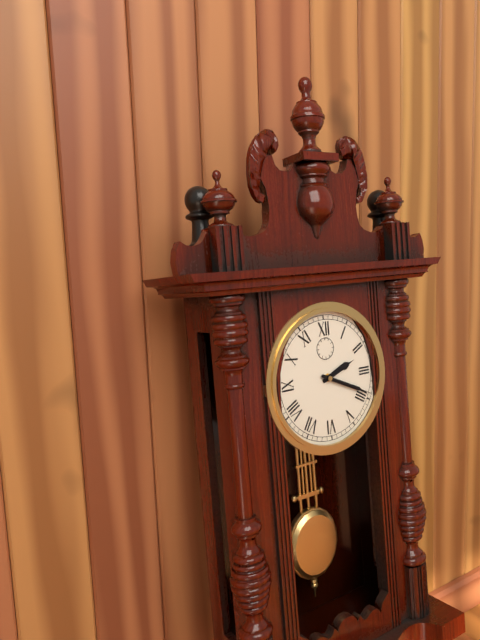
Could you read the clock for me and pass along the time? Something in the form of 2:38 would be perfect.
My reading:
2:19
